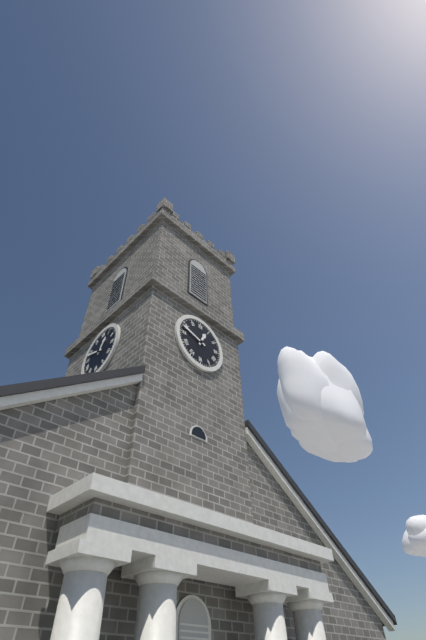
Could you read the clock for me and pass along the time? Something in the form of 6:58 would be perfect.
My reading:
12:48
